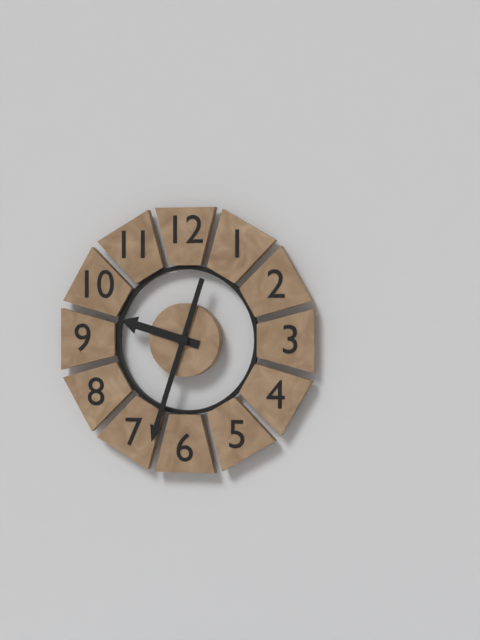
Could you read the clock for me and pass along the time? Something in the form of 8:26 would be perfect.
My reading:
9:33
